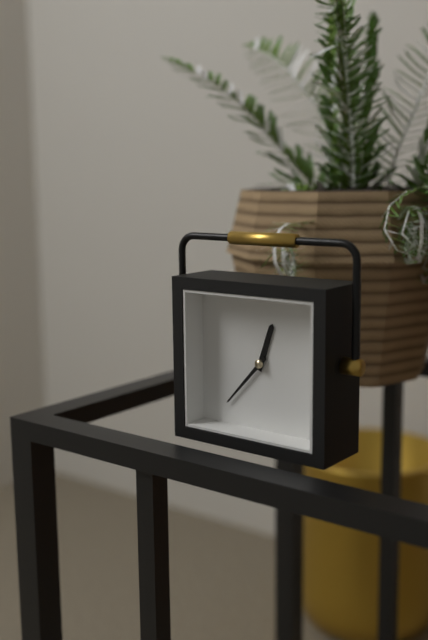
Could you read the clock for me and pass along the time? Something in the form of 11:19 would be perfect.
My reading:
12:37
